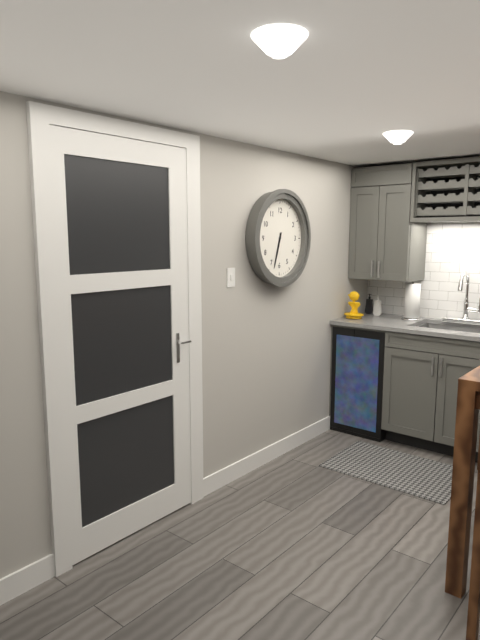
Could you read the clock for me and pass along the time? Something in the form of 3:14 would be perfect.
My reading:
6:33
